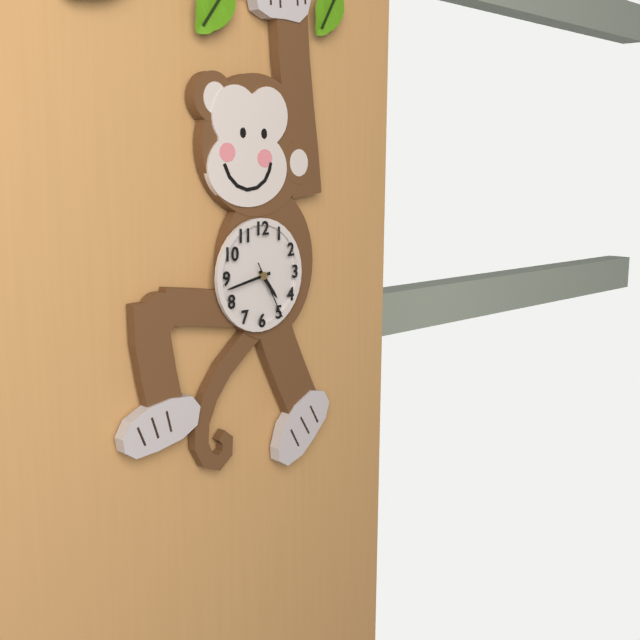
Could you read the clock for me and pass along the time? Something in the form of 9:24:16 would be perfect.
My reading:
4:43:25
